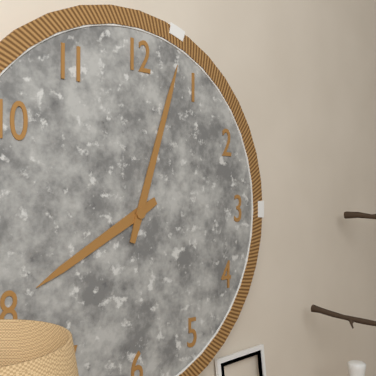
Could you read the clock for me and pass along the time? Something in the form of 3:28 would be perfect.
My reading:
8:03
